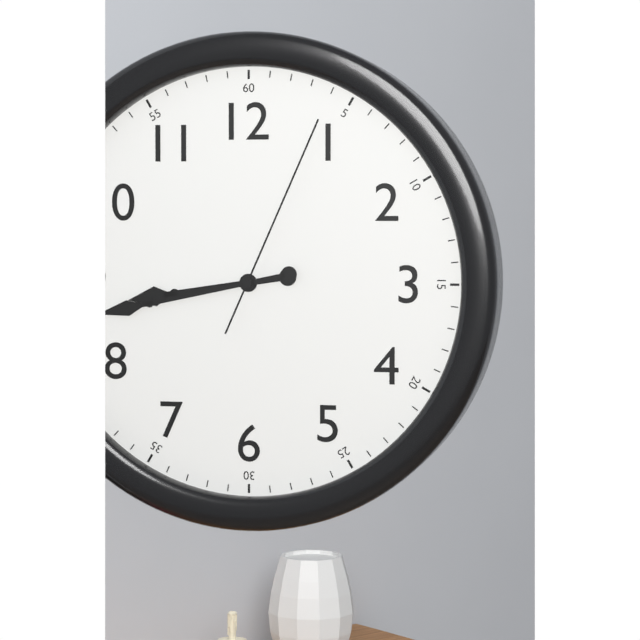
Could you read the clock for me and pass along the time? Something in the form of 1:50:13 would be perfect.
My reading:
8:43:04
